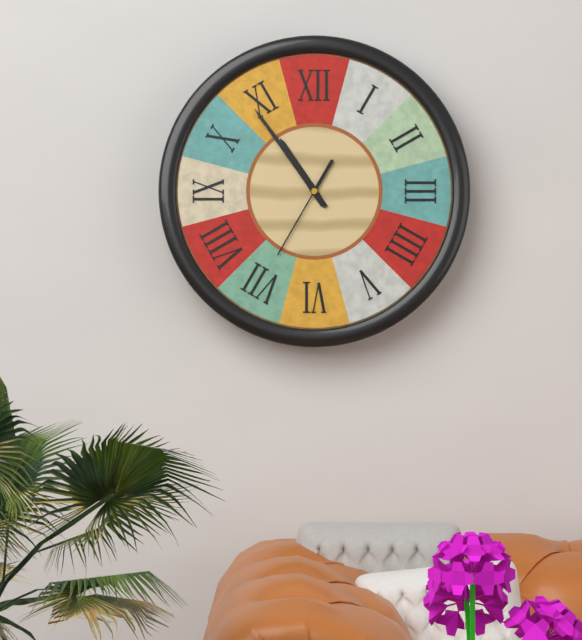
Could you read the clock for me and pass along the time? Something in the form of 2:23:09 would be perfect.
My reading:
10:54:35
